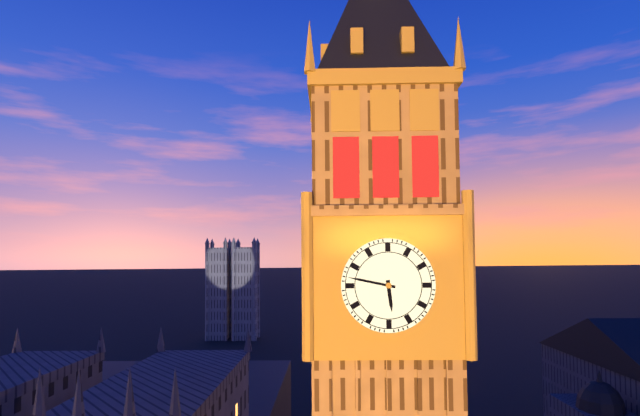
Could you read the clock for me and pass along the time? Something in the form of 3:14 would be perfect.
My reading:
5:47
